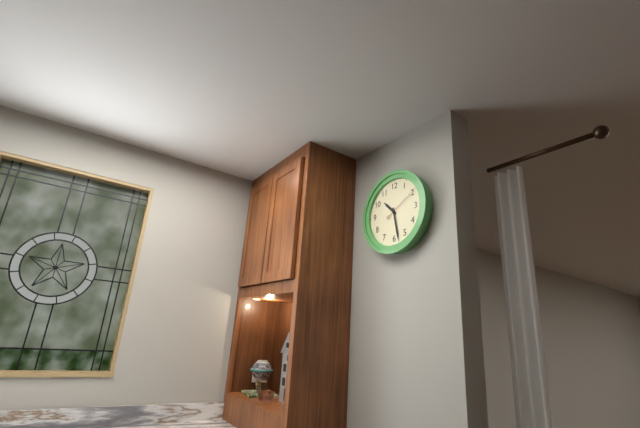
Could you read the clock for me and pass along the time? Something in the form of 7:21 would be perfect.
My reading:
10:28
